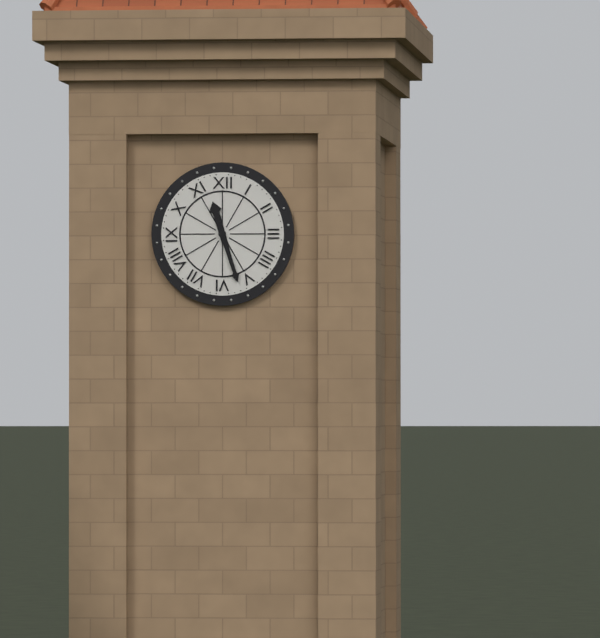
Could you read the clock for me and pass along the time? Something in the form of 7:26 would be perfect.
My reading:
11:27
